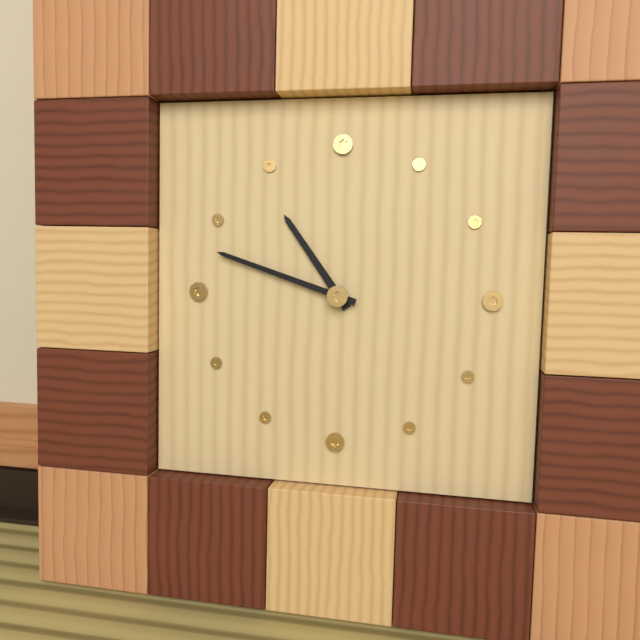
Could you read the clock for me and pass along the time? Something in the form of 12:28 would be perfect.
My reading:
10:48
